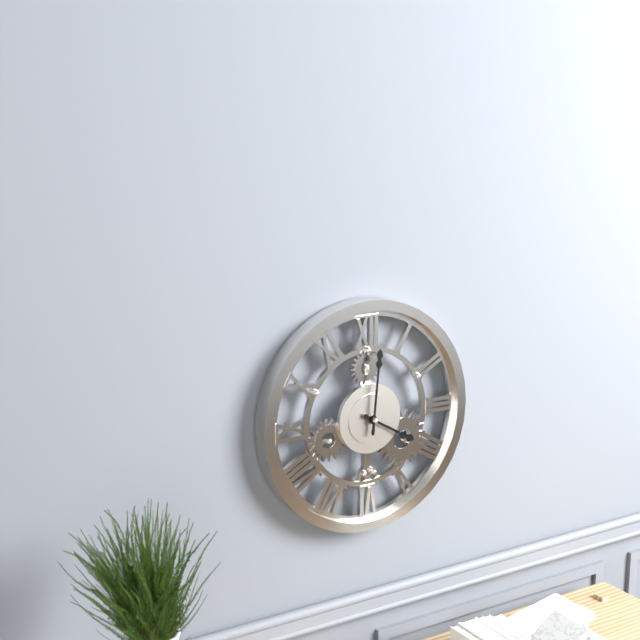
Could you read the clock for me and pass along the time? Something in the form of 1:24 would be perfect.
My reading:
4:01
